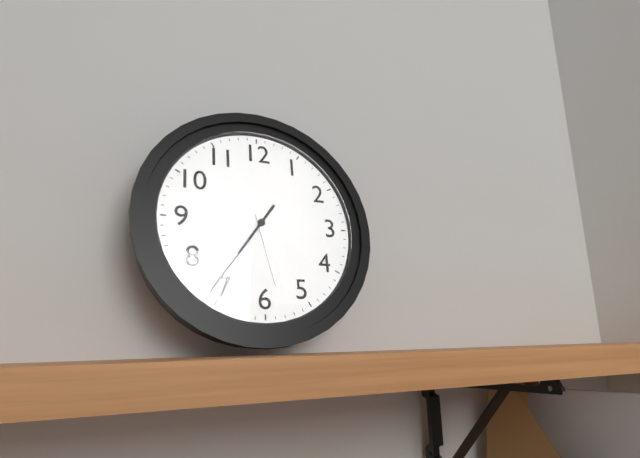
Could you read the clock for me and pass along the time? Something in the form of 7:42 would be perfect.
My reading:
5:36
